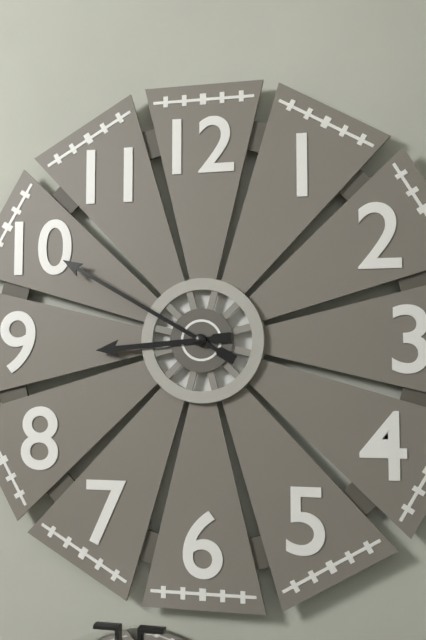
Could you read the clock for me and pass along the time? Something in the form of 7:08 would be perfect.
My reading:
8:50
